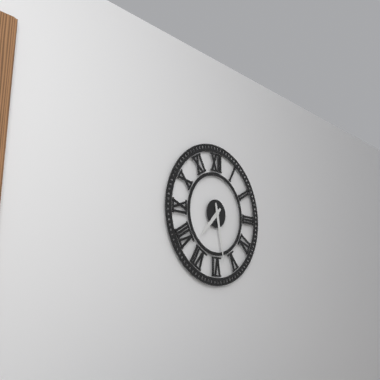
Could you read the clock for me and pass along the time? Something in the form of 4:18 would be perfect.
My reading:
7:28
